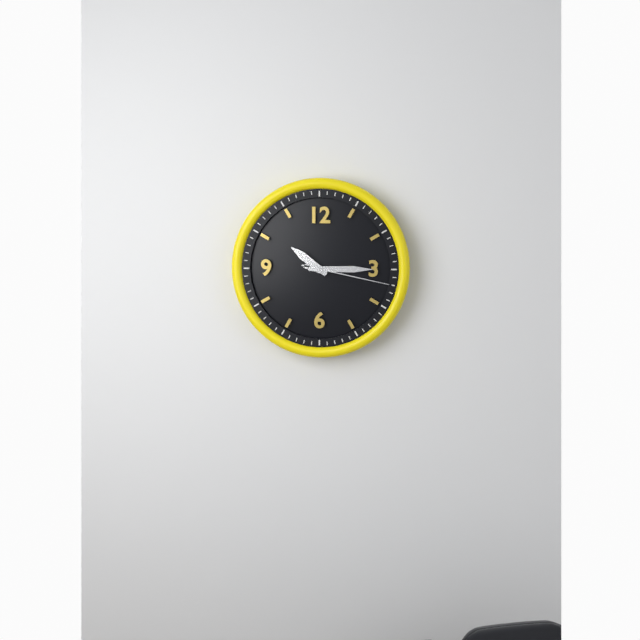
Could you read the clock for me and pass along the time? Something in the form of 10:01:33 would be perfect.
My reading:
10:15:17
